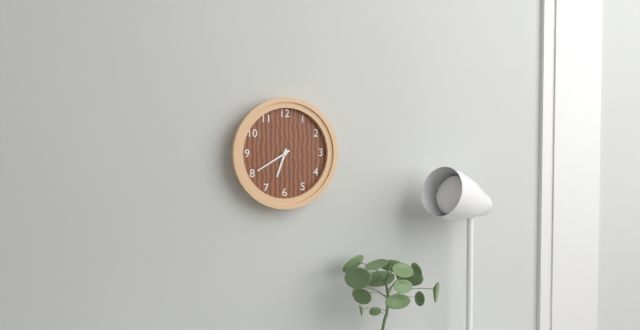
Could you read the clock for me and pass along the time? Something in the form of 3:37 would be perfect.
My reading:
6:40
